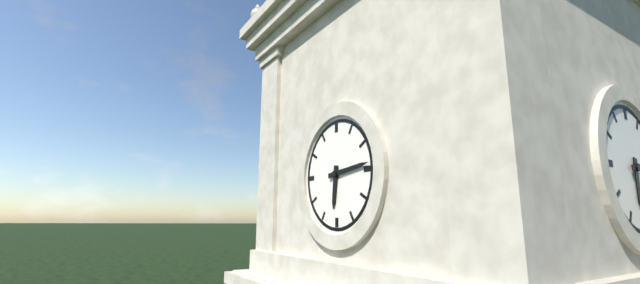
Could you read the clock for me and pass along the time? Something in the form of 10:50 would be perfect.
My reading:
6:14
